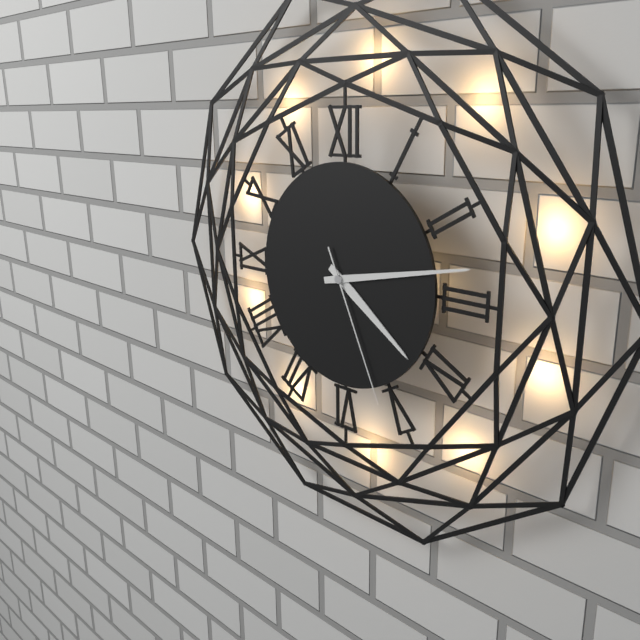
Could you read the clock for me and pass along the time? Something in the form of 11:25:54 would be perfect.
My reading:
4:13:26
